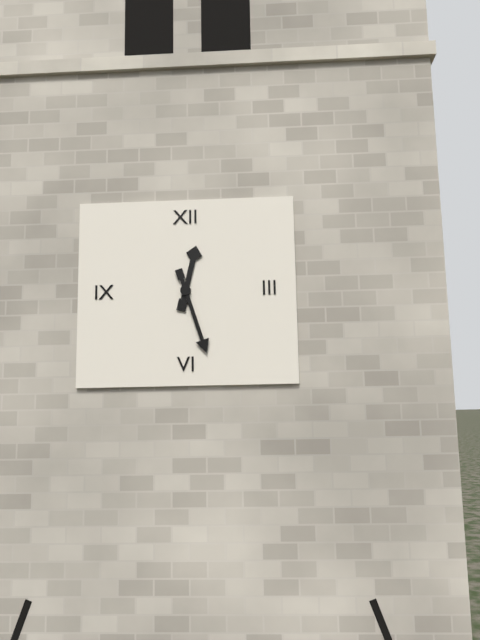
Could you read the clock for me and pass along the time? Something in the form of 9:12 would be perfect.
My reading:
12:27
